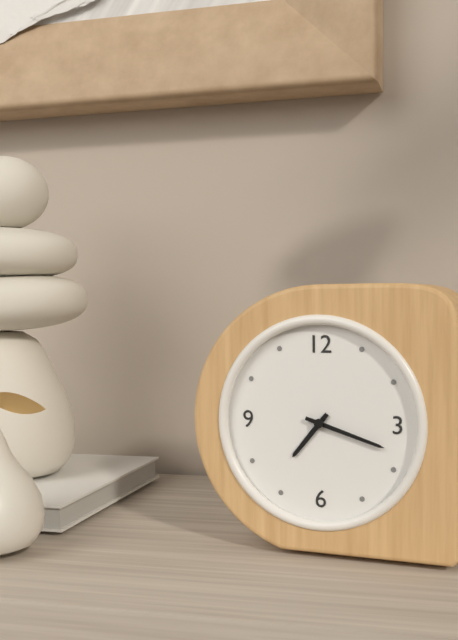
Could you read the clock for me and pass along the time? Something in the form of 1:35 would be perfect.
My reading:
7:18
